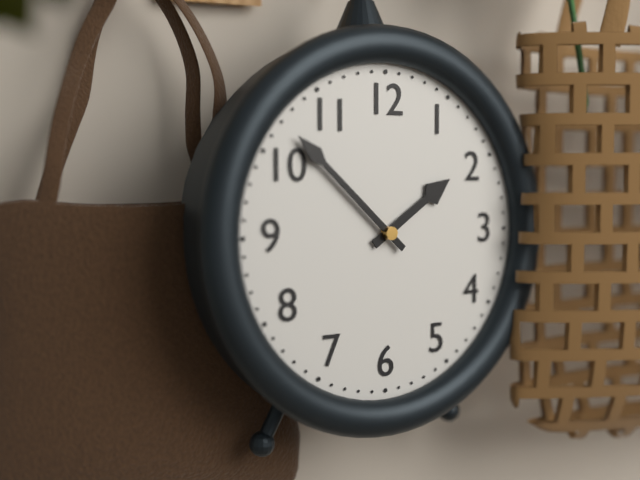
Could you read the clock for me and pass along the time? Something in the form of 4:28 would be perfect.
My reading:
1:52
